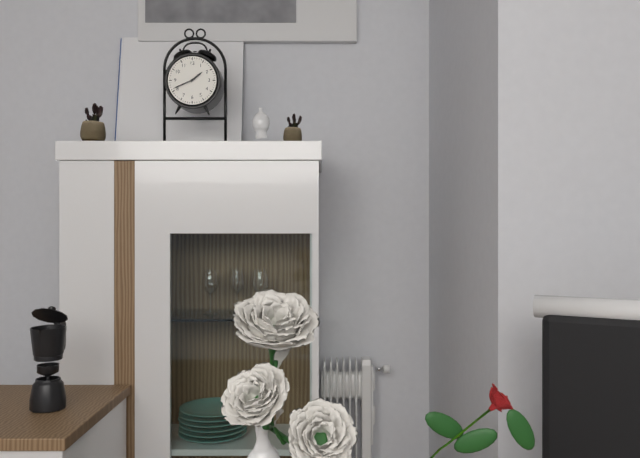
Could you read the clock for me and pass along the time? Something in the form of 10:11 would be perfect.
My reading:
1:41
